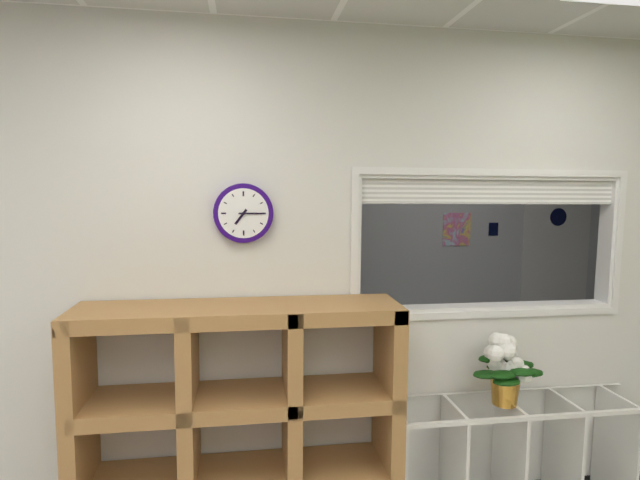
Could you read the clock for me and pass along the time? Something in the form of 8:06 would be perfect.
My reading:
7:15
